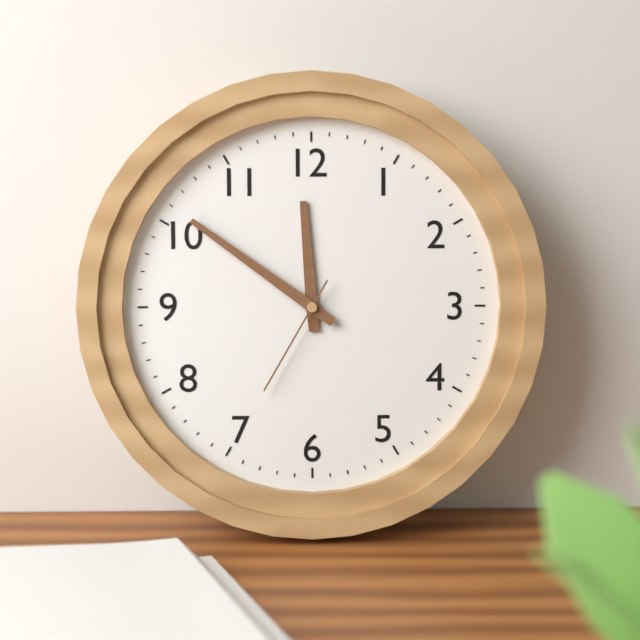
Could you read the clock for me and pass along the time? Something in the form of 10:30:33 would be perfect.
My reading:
11:51:35
